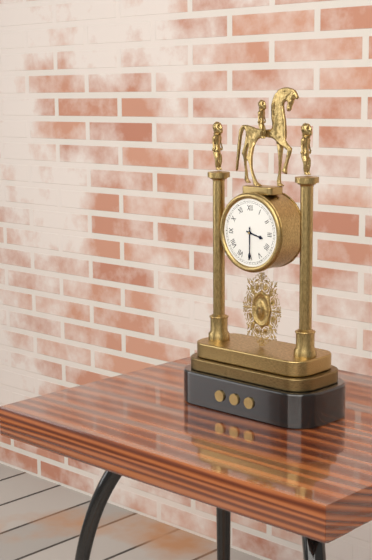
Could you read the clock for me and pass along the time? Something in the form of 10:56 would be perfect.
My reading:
3:30
